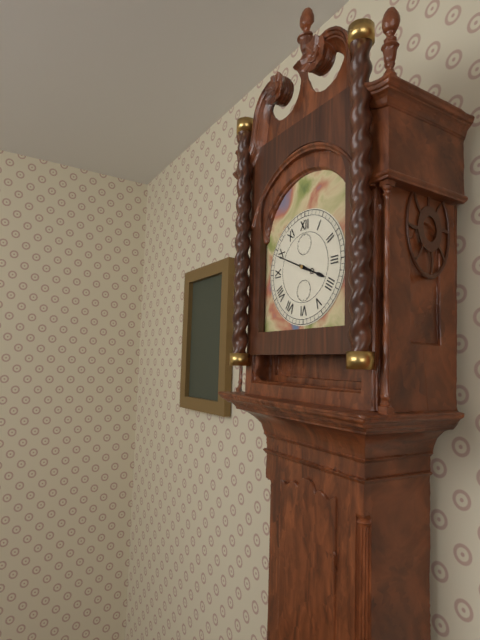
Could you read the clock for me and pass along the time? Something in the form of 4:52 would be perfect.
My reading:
3:49
